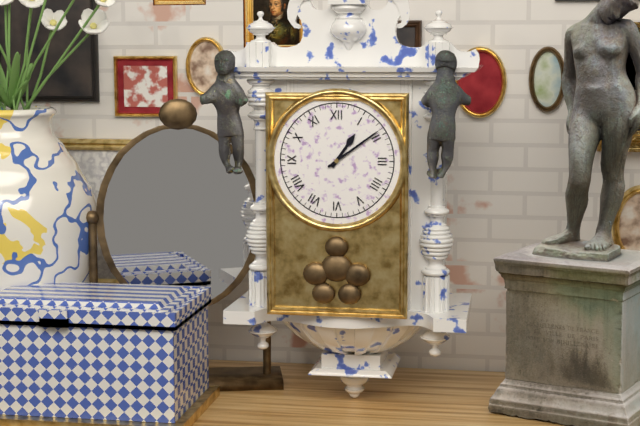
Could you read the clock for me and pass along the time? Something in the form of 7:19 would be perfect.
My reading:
1:09
